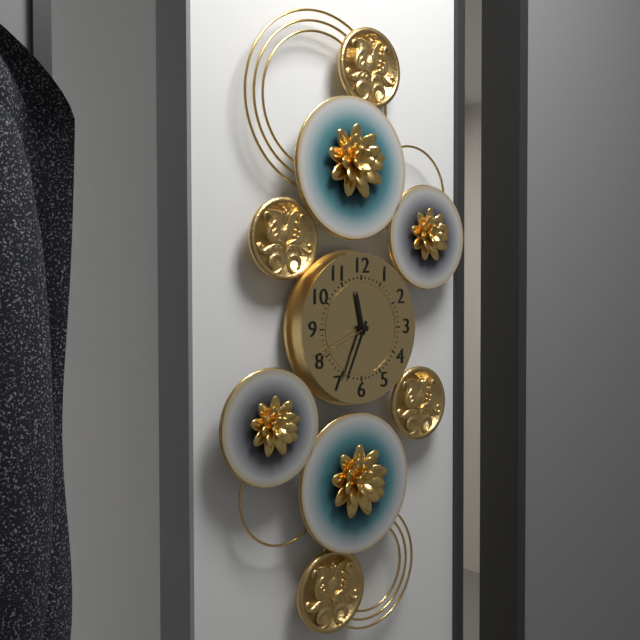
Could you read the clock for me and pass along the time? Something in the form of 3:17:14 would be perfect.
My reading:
11:34:41
